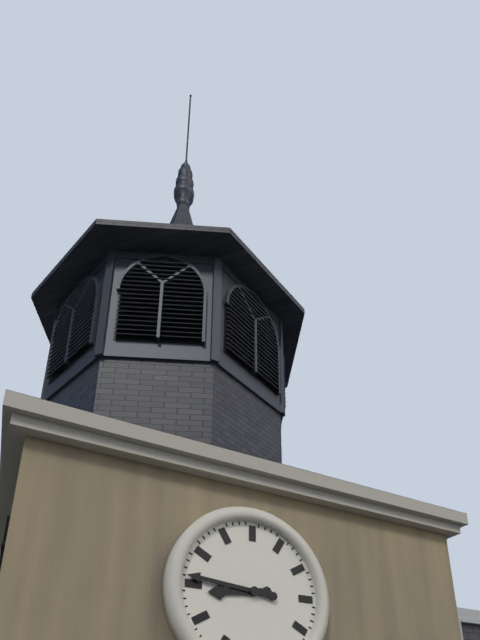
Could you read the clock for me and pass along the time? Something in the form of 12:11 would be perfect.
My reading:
8:46
